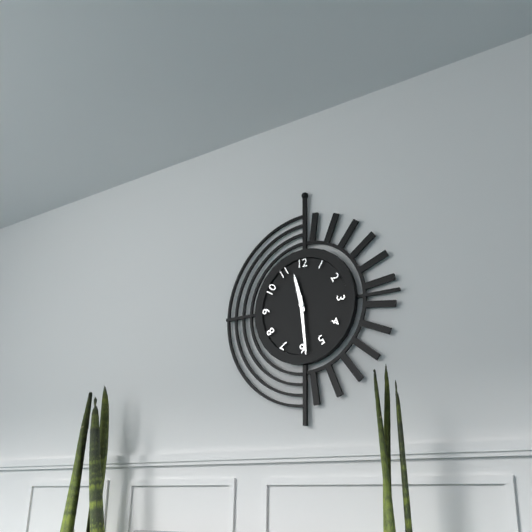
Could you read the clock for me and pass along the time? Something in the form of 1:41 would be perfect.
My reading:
11:29
